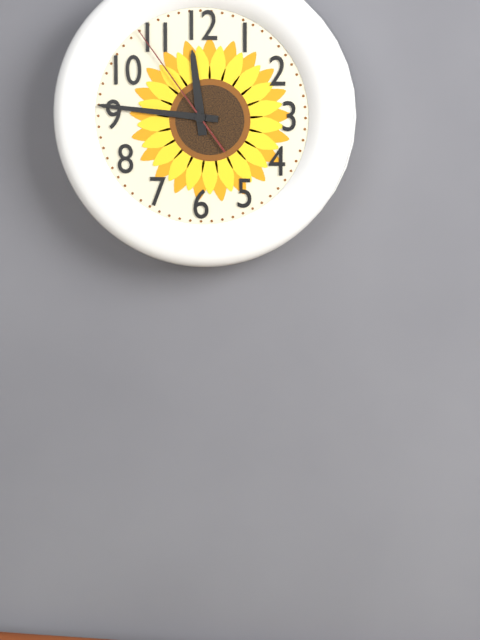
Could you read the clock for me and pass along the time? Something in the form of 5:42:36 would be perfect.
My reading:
11:46:54
